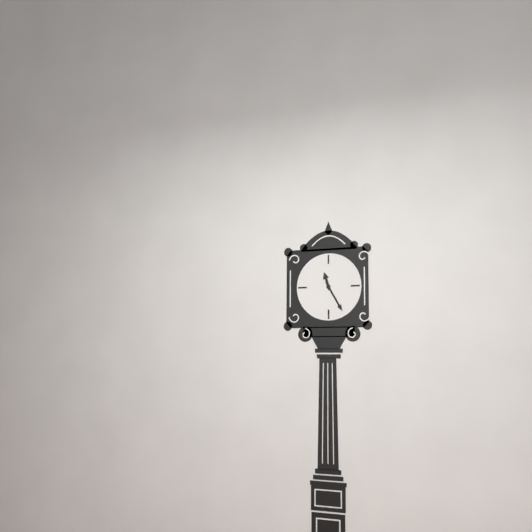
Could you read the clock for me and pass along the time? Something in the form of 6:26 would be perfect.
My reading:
11:25
